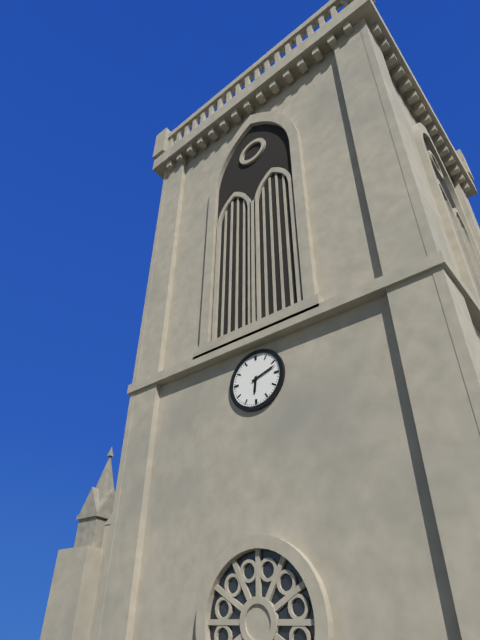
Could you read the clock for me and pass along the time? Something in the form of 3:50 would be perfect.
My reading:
6:12
